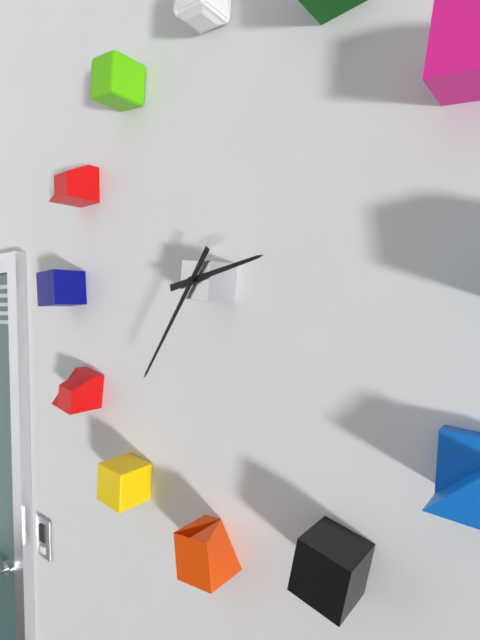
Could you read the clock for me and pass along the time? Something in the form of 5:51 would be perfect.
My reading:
2:36
